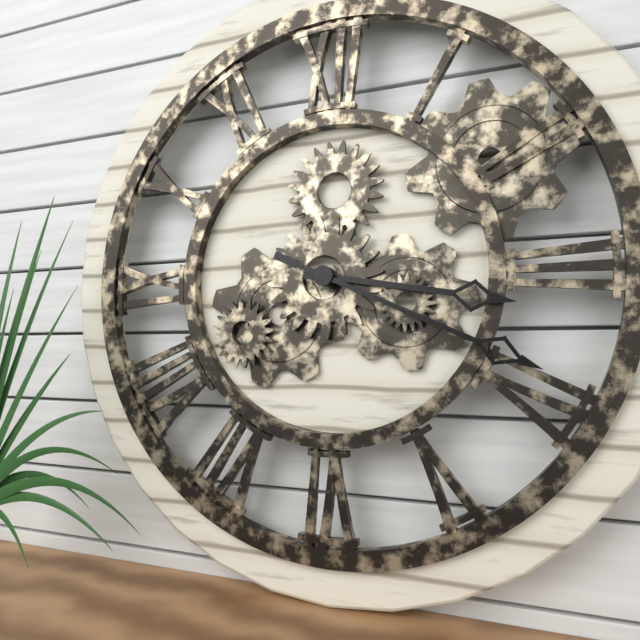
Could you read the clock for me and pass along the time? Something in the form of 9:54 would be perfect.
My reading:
3:19
